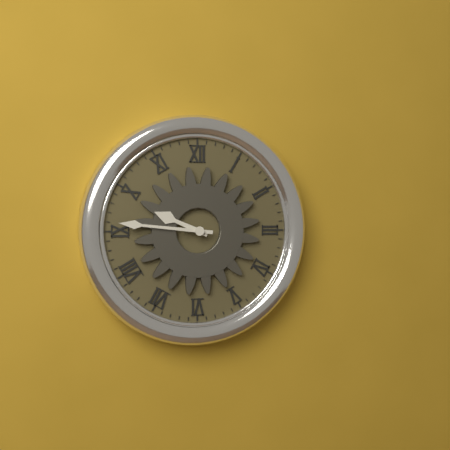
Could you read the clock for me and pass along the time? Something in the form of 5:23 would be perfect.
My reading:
9:46
